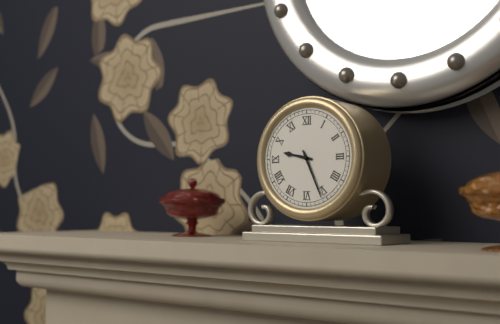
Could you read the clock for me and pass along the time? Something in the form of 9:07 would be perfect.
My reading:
9:26
